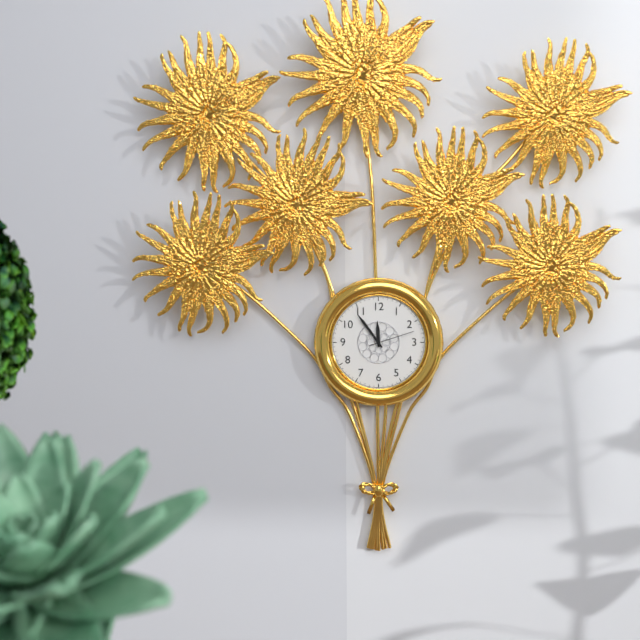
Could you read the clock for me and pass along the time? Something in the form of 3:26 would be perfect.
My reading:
11:54
